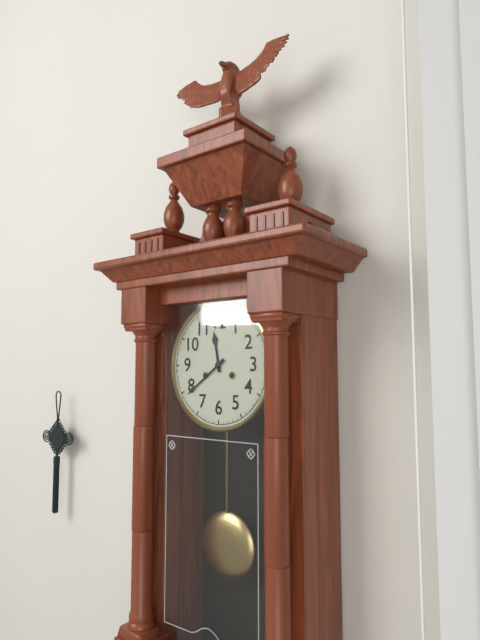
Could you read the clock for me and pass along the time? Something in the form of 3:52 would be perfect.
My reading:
11:39
